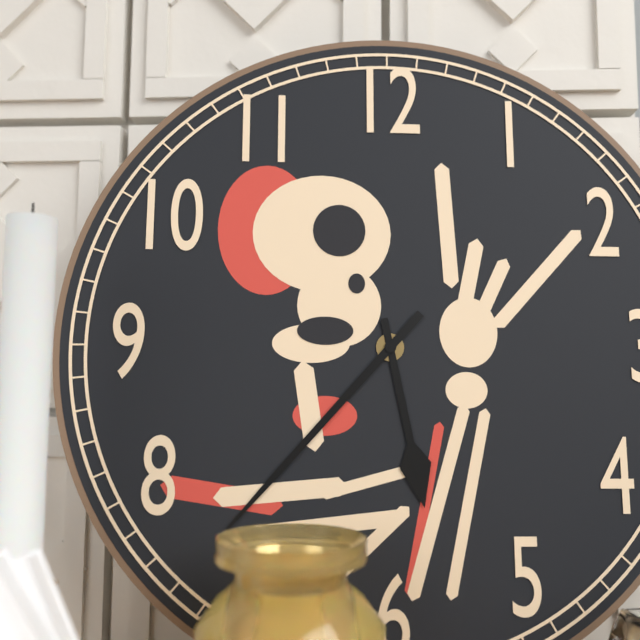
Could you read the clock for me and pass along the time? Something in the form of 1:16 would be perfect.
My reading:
5:37
